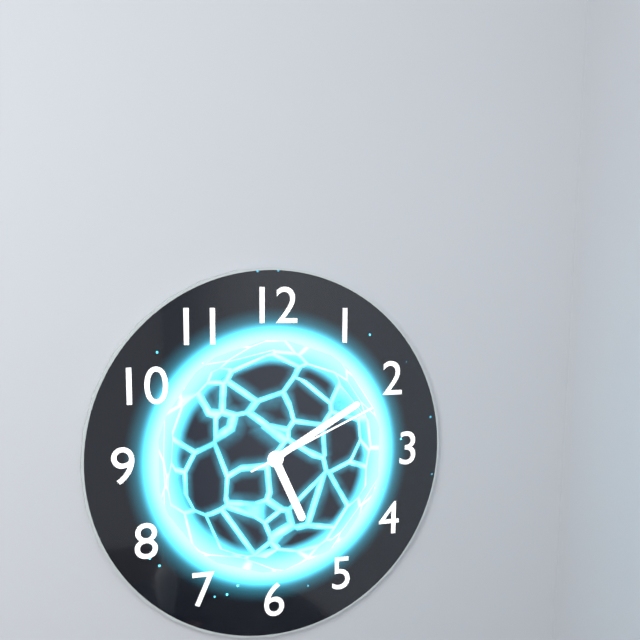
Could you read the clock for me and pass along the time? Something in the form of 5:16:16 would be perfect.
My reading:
5:10:11
